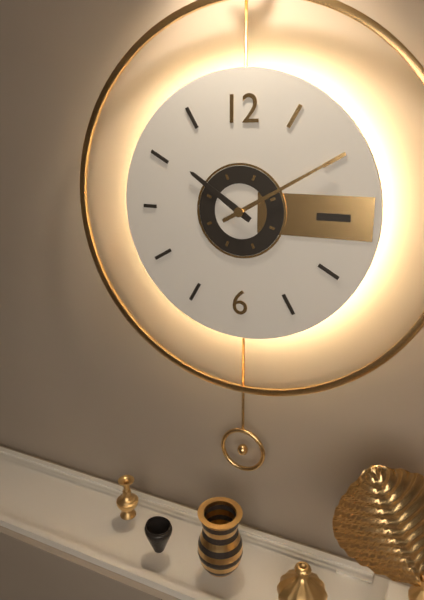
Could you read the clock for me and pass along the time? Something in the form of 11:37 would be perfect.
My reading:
10:10
